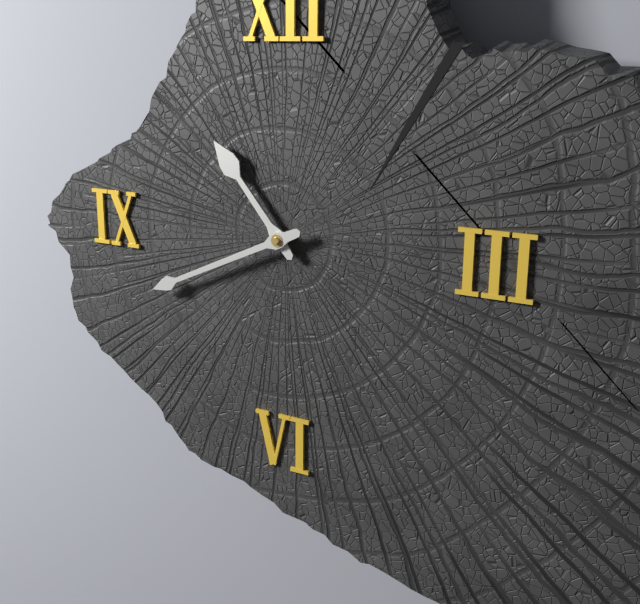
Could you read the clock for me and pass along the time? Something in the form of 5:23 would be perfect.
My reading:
10:41
